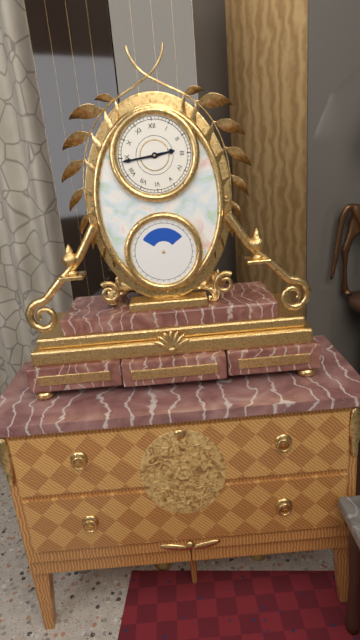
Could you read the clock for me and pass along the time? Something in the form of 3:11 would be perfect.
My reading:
2:44
